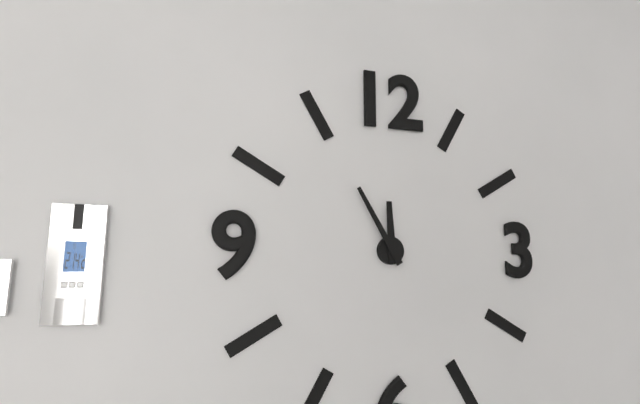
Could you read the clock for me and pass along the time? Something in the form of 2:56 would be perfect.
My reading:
11:55
